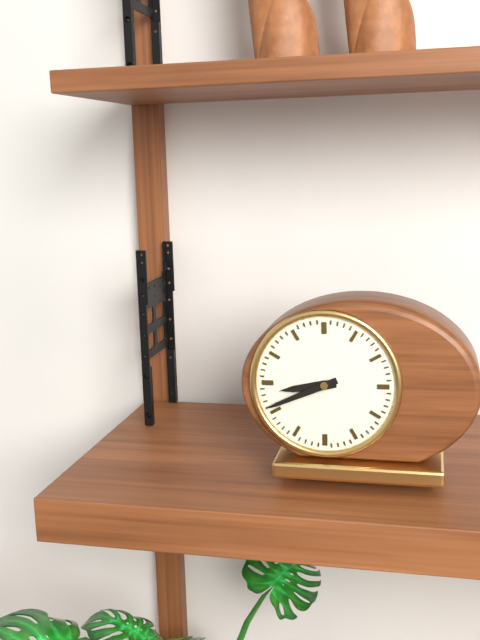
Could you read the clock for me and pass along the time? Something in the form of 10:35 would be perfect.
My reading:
8:41
